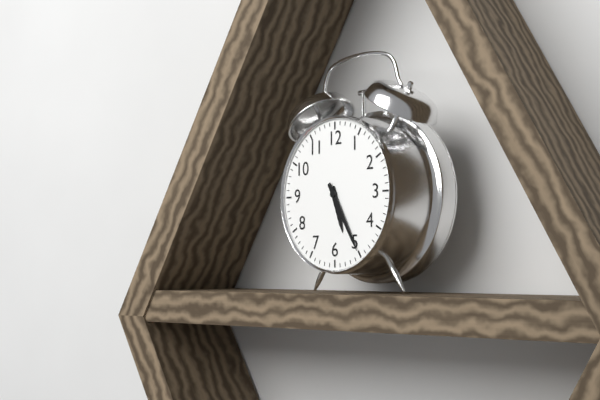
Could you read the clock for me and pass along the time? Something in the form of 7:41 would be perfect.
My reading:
5:25
